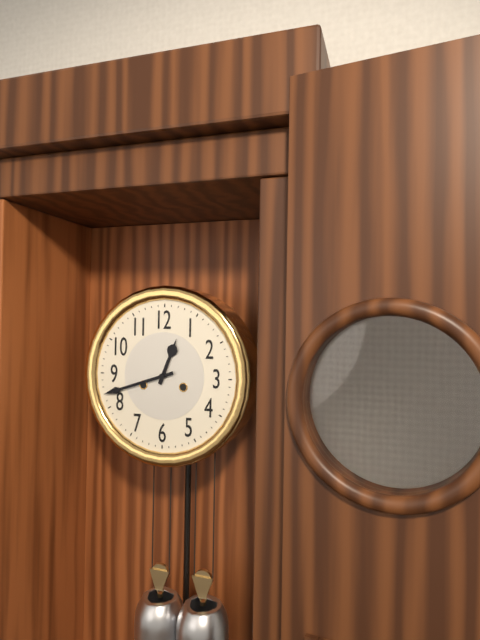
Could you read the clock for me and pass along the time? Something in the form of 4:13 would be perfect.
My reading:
12:42
